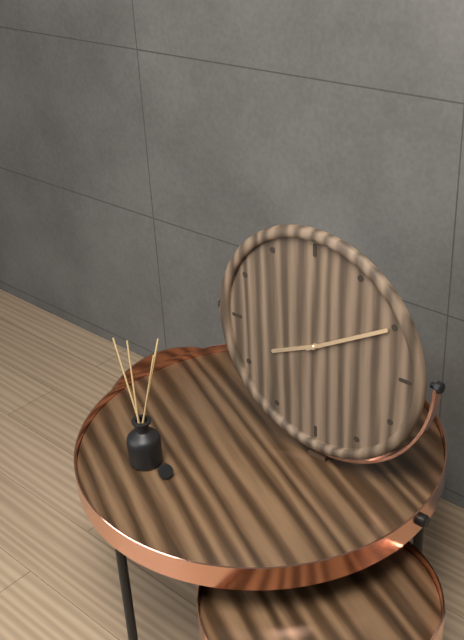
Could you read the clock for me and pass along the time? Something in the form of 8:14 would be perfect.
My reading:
8:10
